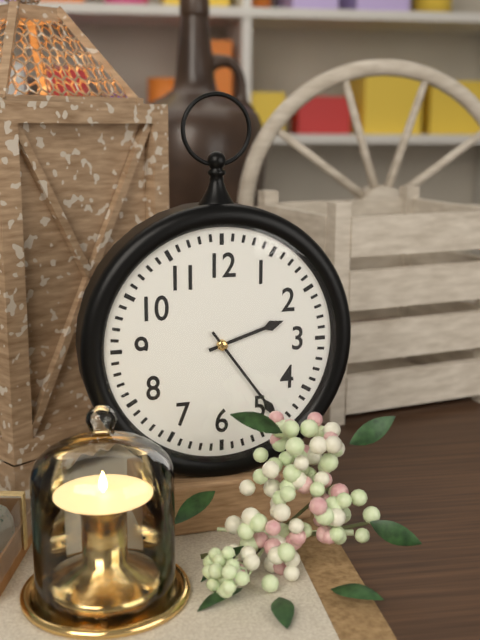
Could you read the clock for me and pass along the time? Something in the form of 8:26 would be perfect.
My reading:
2:24
